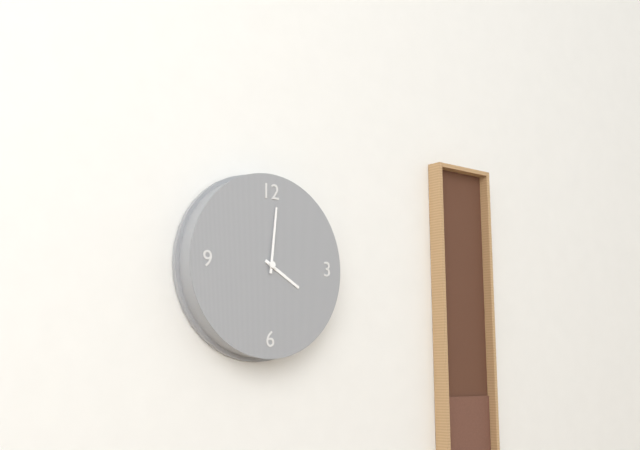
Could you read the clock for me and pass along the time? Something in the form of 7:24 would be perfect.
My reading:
4:01
